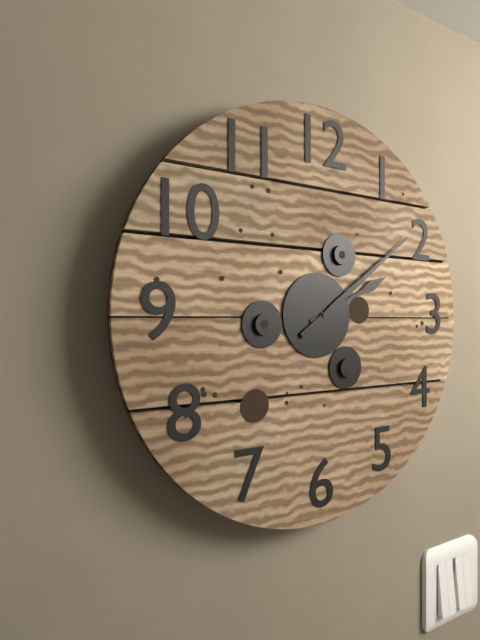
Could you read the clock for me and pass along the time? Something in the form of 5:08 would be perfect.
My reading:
2:09
